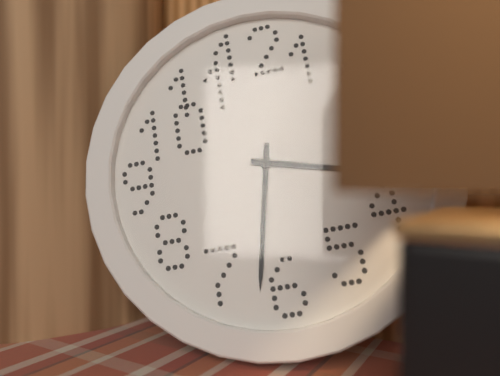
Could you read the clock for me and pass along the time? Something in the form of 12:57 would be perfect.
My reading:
3:32
